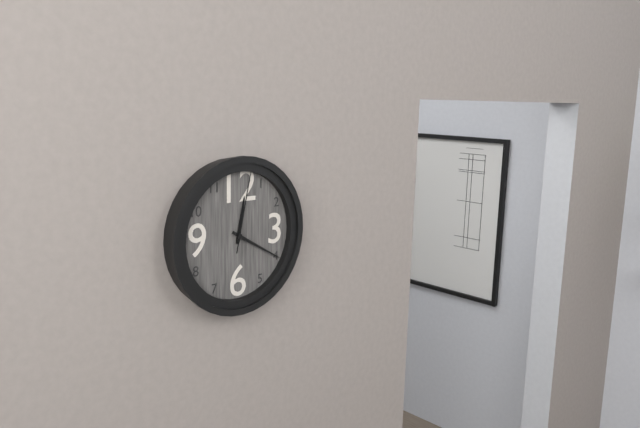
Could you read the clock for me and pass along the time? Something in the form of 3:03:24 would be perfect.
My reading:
12:20:02
